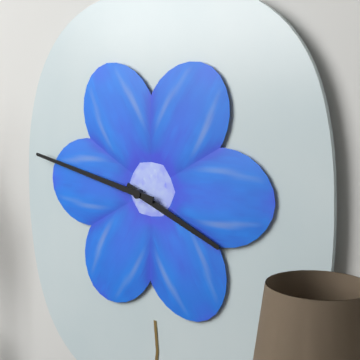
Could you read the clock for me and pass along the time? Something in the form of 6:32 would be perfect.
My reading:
3:47
